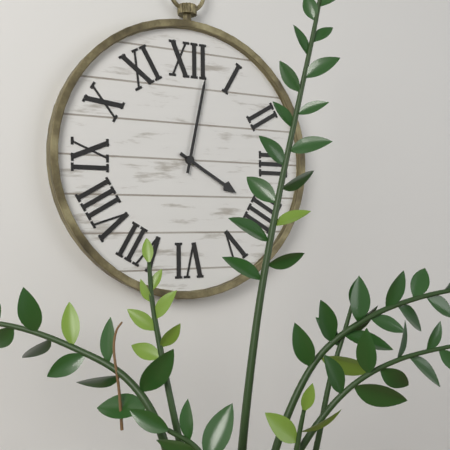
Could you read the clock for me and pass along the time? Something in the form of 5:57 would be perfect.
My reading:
4:02
